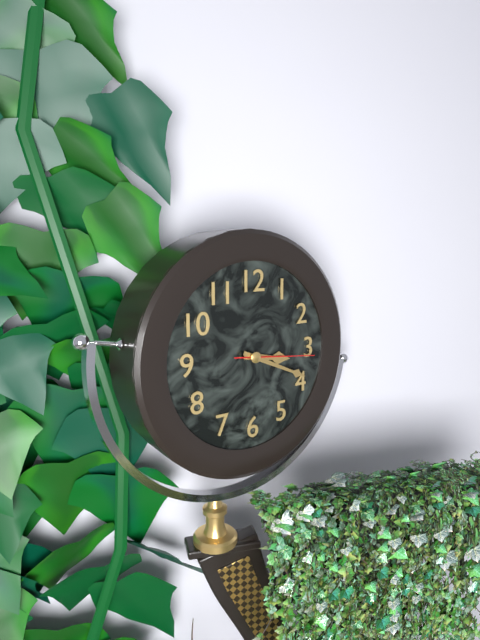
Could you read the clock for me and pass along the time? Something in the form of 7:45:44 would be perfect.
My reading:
3:19:16
